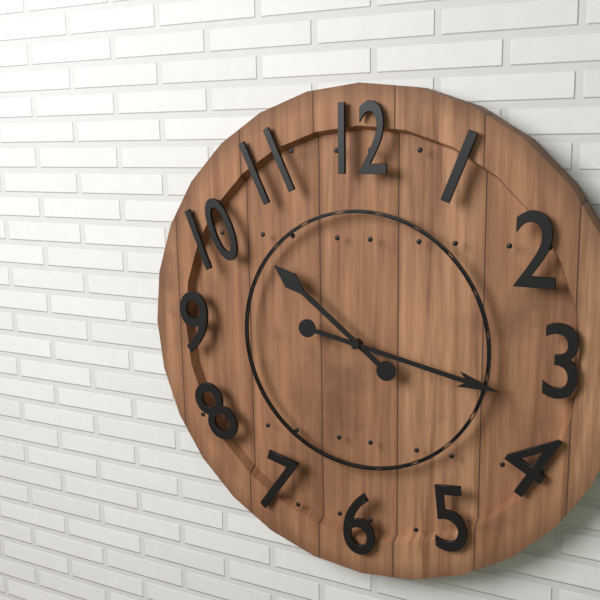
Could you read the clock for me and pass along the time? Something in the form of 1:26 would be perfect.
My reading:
10:17
